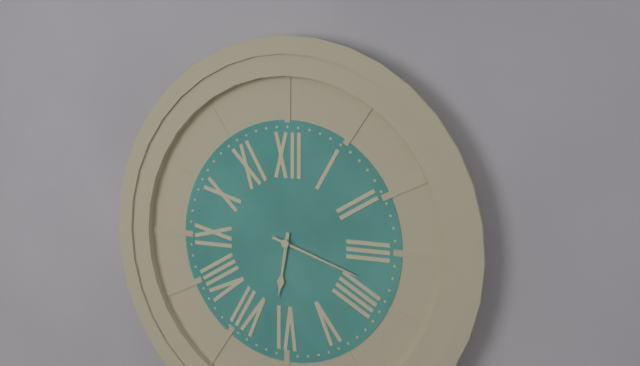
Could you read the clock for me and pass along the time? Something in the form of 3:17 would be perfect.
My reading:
6:18
